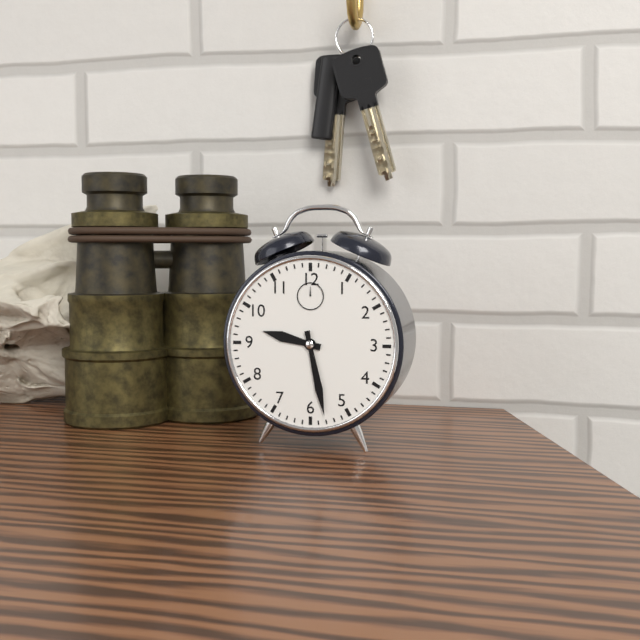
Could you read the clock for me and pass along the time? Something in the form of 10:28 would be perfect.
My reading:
9:28
